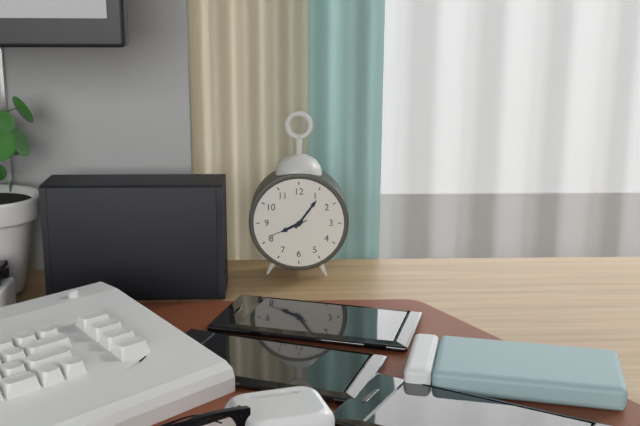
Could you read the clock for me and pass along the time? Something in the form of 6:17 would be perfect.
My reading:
8:06
